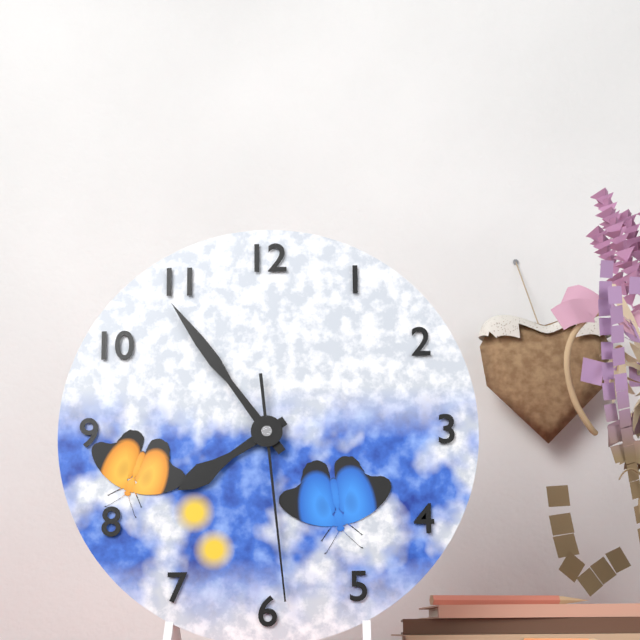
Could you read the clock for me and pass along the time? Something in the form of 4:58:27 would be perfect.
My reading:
7:54:29
